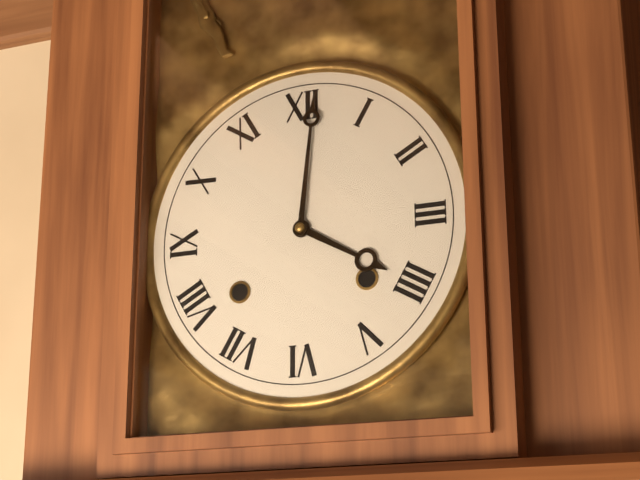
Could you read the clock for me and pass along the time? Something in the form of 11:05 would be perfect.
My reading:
4:01
